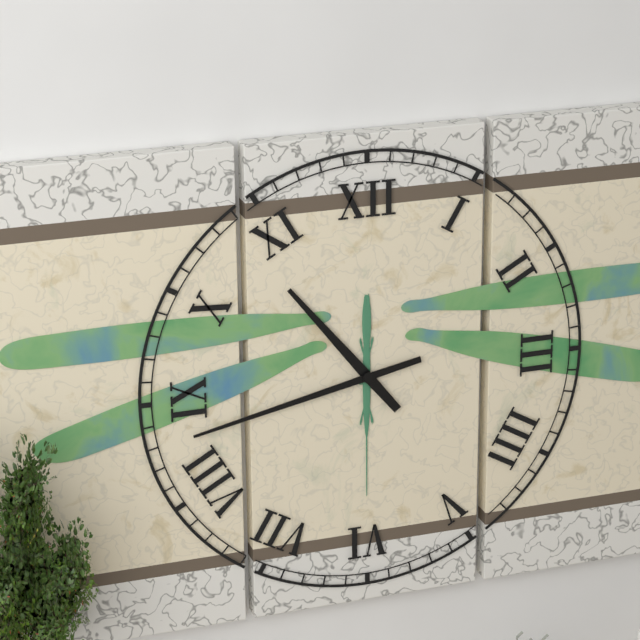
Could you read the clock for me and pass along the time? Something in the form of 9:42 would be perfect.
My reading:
10:43
